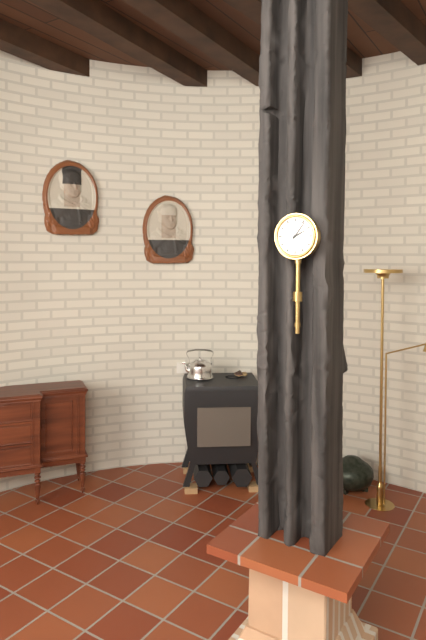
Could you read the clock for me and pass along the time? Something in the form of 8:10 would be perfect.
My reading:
2:06
